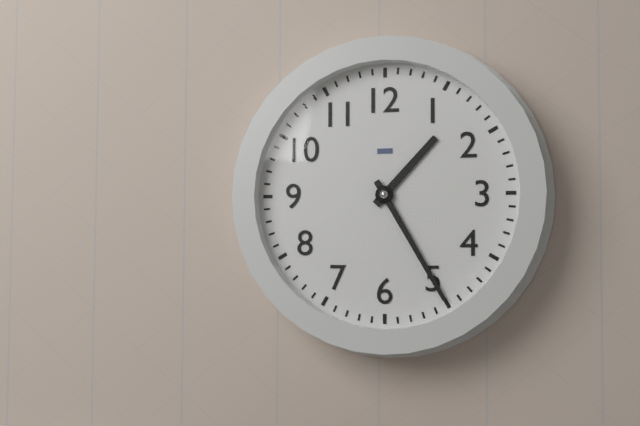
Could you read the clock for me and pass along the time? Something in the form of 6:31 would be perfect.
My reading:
1:25
